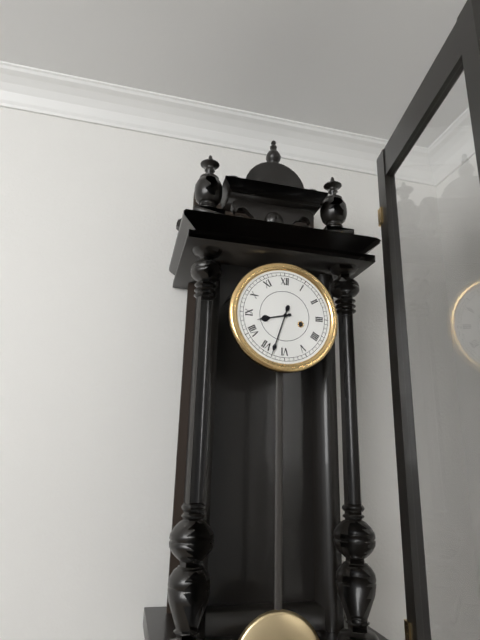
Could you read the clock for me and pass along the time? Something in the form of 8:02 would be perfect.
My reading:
8:33
